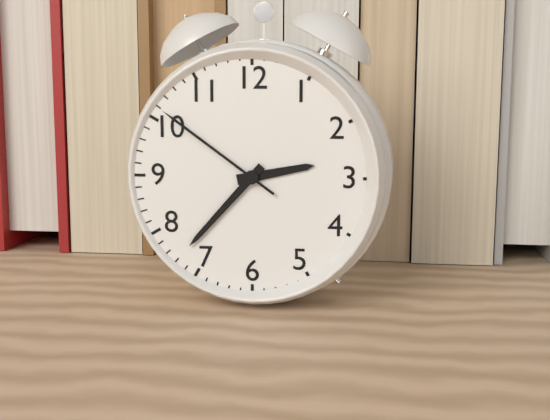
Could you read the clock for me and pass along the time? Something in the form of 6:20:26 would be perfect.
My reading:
2:37:51
